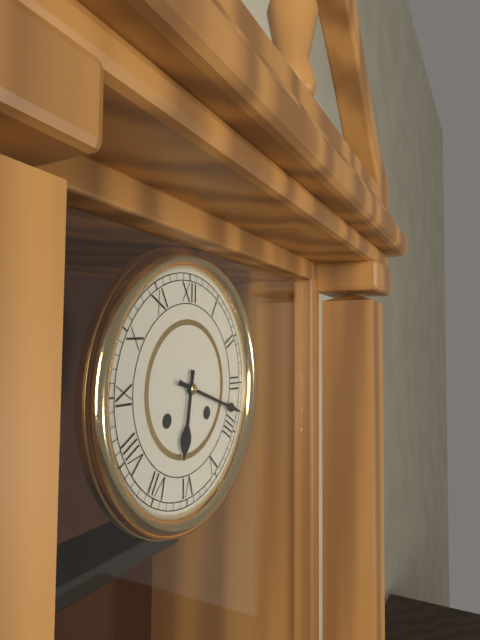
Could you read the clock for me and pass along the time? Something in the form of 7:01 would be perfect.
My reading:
6:18
